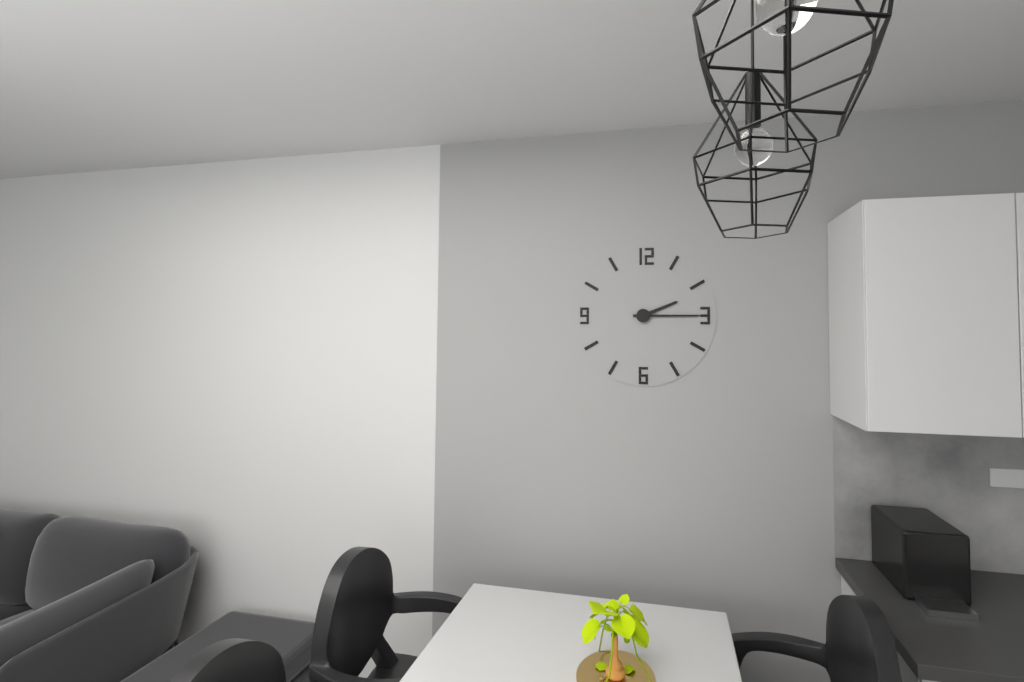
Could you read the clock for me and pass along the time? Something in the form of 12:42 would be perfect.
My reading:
2:15
